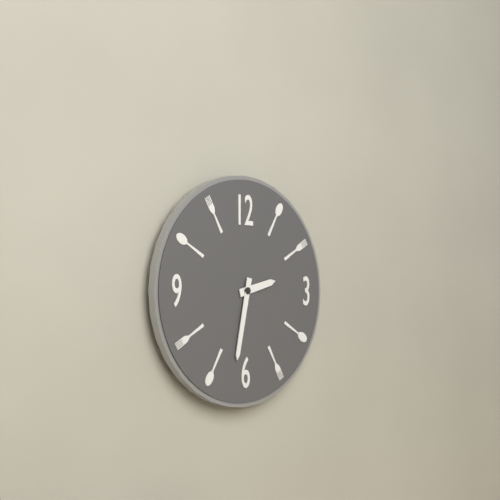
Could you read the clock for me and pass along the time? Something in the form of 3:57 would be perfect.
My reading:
2:32
